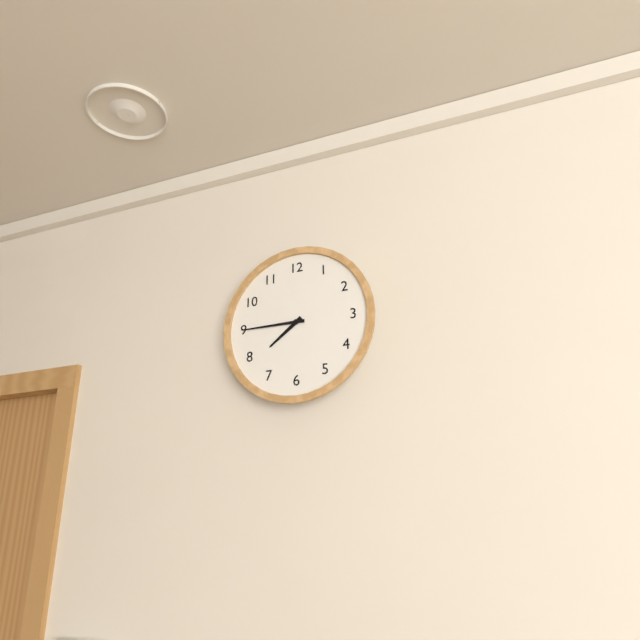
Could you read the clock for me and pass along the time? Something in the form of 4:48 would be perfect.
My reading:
7:45
